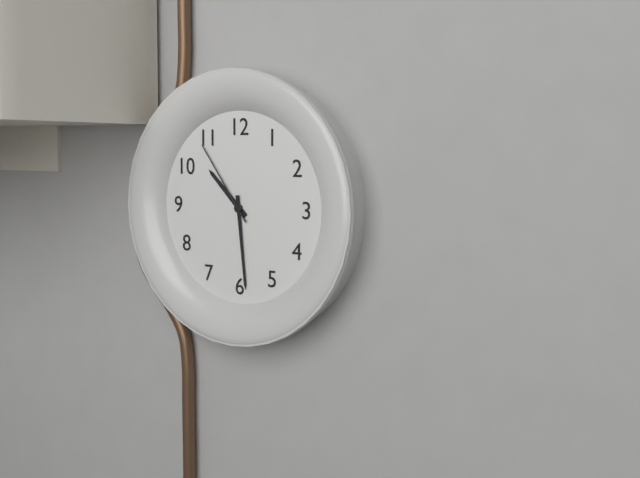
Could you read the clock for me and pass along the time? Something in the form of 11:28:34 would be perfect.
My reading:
10:29:54
